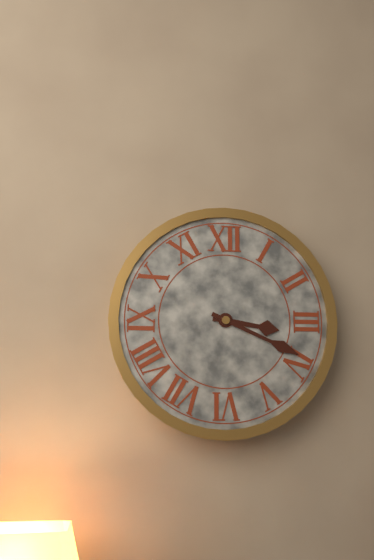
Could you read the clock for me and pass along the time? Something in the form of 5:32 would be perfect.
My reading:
3:19
